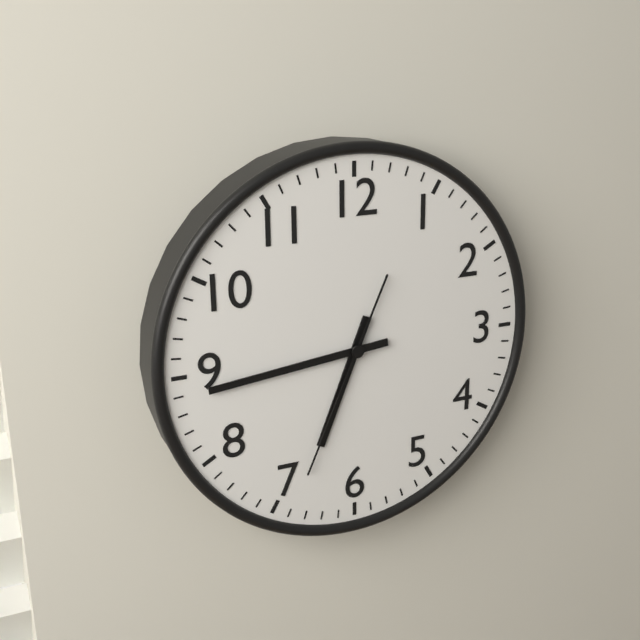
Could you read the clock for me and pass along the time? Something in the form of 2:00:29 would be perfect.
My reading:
6:44:34
